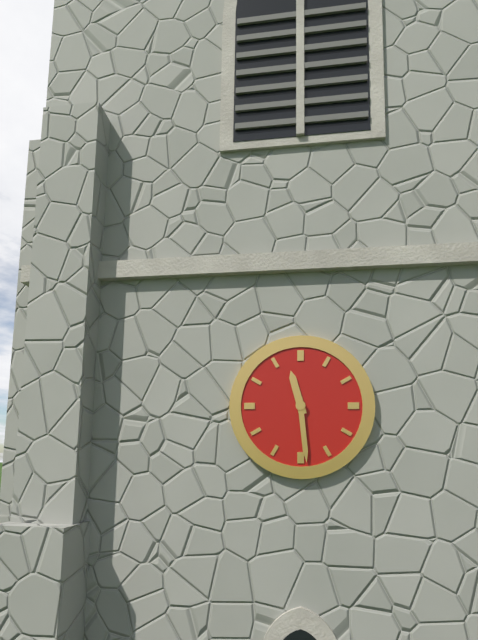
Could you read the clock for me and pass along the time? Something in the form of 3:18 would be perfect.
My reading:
11:29
